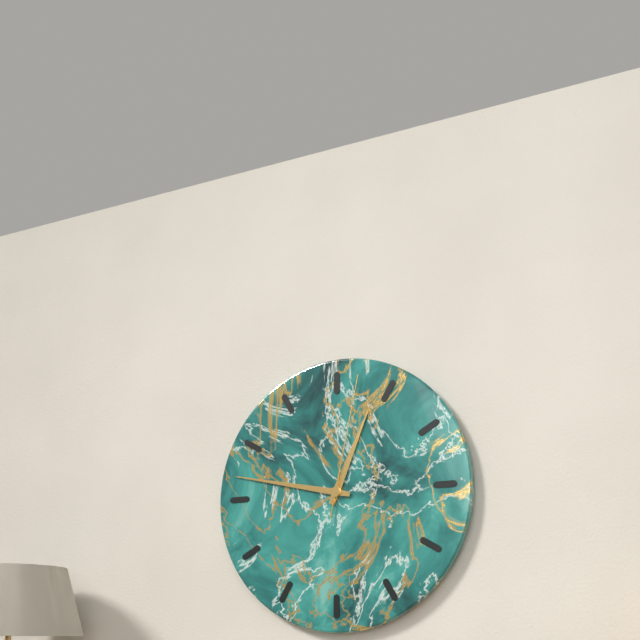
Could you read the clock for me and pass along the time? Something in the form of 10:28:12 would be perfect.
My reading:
12:47:02
